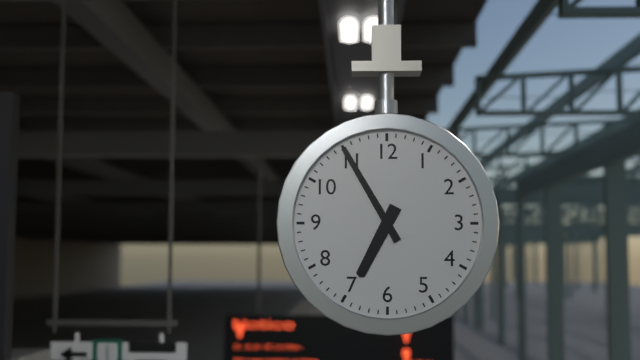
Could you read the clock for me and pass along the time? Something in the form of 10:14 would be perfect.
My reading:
6:55
